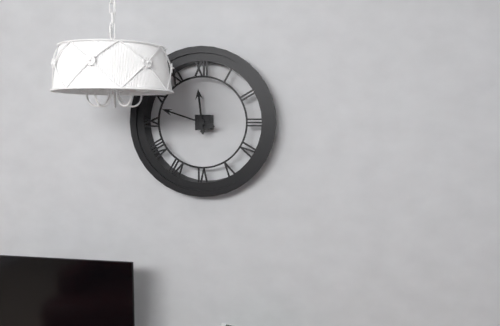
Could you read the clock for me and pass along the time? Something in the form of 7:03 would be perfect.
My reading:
11:48
